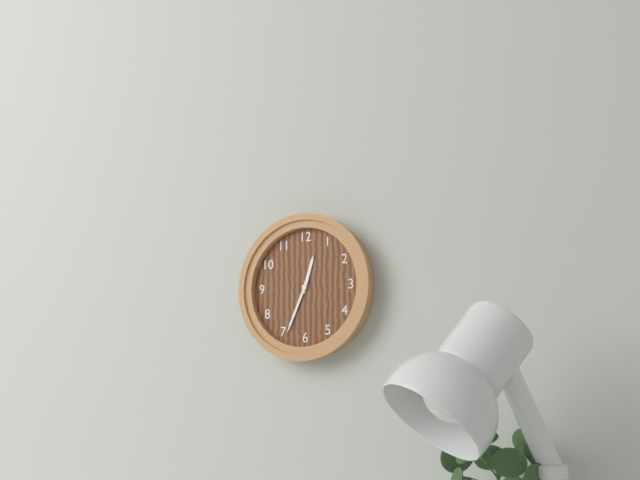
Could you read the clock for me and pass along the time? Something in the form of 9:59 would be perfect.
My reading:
12:34
